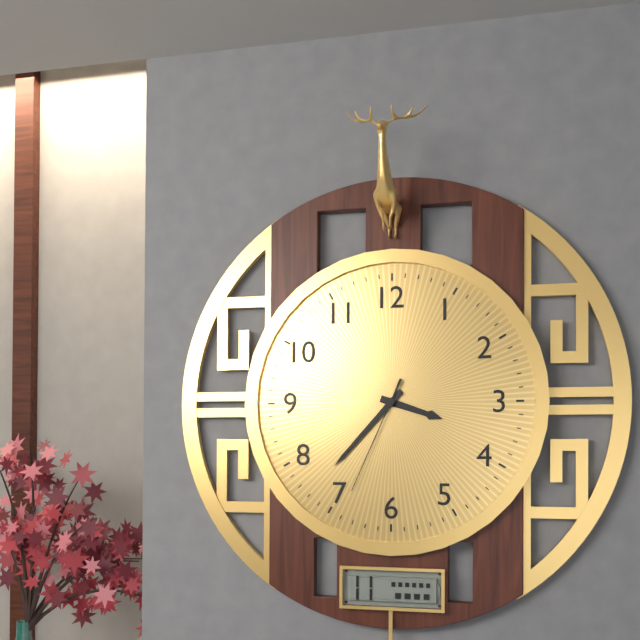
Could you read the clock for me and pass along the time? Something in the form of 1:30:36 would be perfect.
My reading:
3:37:34
